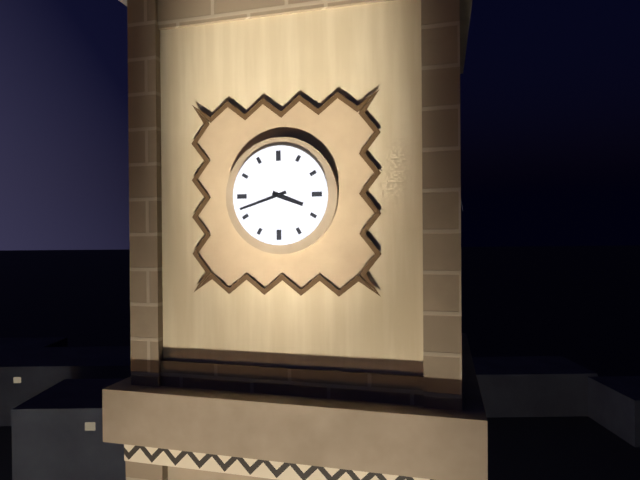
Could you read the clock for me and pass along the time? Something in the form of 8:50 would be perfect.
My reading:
3:42
